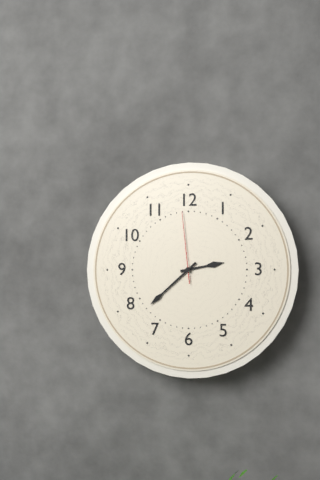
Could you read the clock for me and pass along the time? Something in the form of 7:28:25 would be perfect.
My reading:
2:38:59
